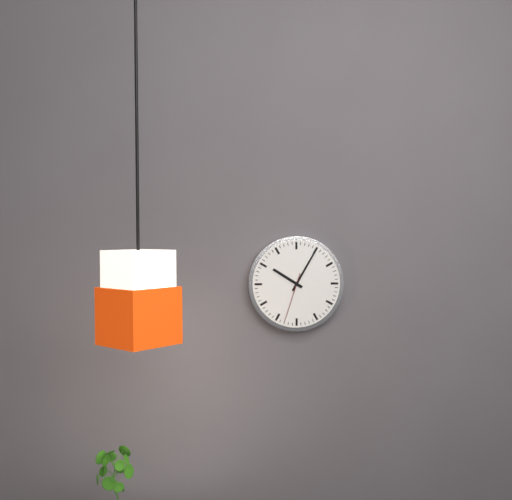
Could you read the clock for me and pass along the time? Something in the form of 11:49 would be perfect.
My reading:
10:05
